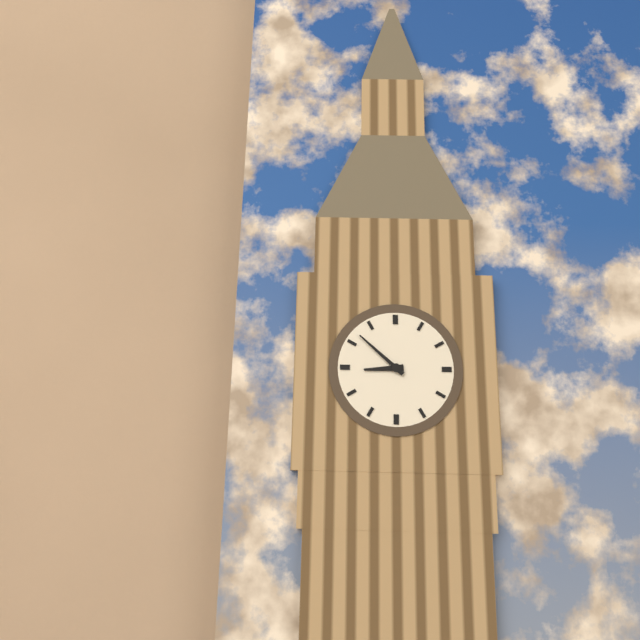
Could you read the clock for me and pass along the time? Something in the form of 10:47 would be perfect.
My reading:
8:52
